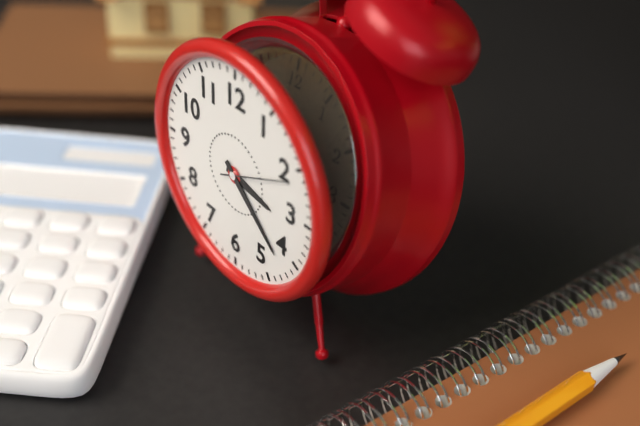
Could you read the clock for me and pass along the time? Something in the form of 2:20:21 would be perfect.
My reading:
3:22:11
